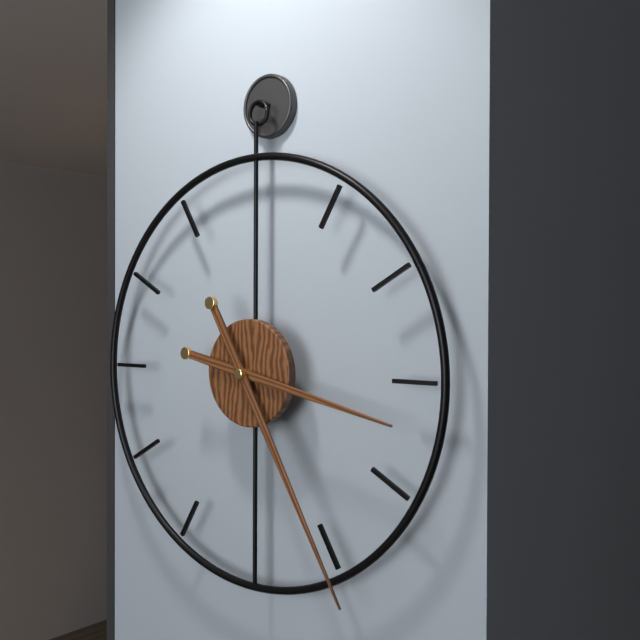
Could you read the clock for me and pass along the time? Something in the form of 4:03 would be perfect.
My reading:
3:25
